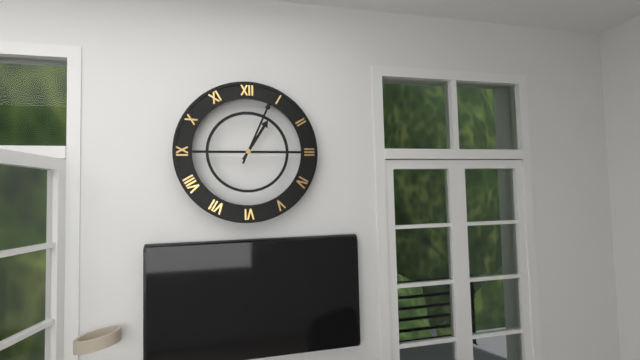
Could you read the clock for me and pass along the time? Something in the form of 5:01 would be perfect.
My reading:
1:04
